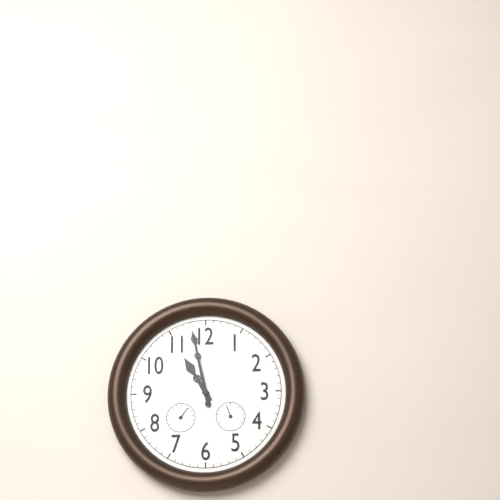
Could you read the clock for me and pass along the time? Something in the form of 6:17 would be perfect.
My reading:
10:58
